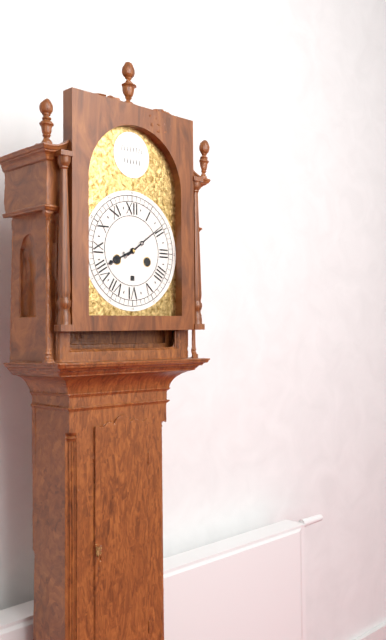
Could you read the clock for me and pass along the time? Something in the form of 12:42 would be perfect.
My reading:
8:09
